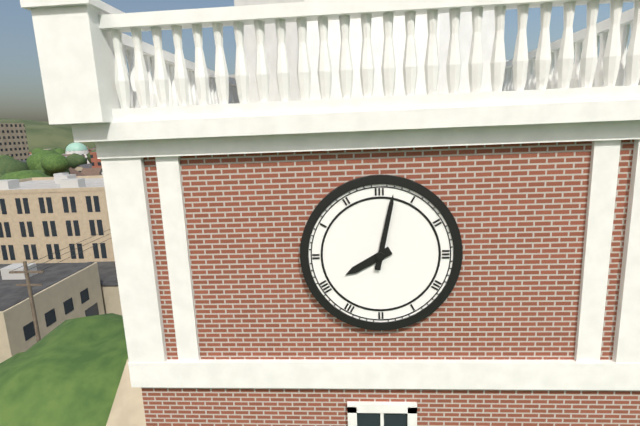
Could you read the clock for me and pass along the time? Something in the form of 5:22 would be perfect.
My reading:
8:02
